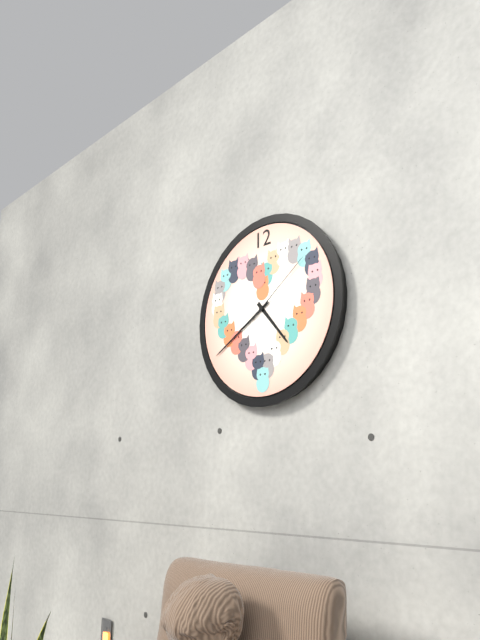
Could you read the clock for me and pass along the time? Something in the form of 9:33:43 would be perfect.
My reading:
4:40:09
